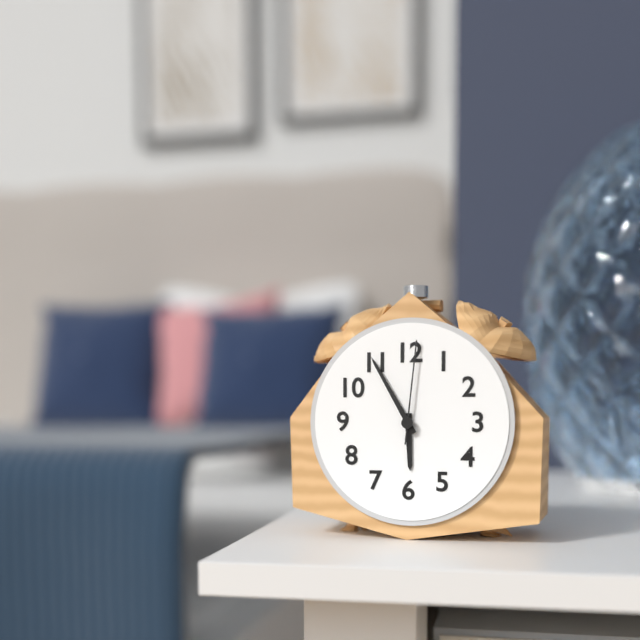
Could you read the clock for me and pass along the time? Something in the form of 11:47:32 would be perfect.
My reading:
5:55:01
